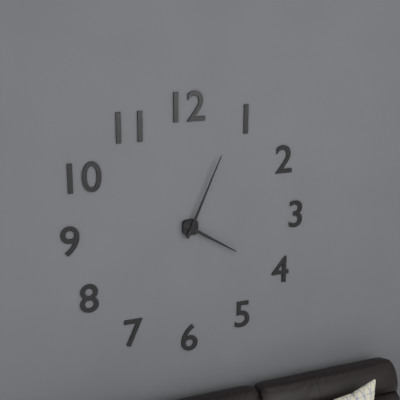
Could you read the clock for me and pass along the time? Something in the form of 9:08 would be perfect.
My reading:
4:04
